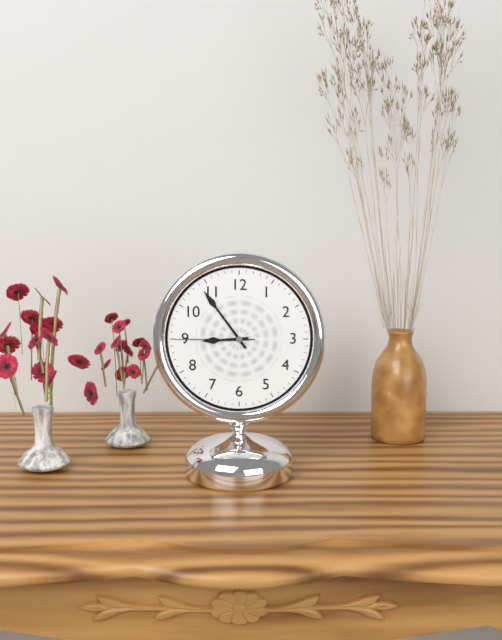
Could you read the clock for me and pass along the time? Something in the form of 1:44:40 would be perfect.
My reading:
8:54:45
